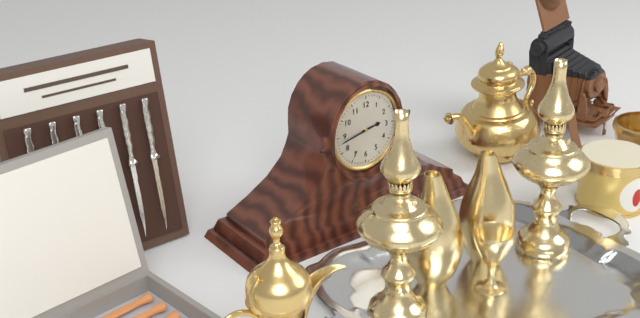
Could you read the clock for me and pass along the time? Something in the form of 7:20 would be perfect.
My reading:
2:43
